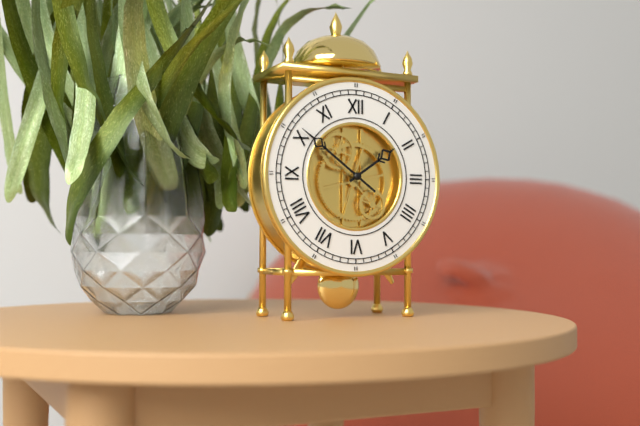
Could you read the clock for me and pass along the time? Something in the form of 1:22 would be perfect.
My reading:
1:51
